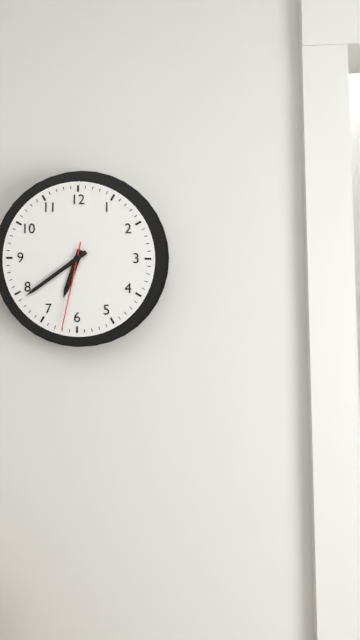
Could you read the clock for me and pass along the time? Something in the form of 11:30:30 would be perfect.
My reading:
6:39:32
